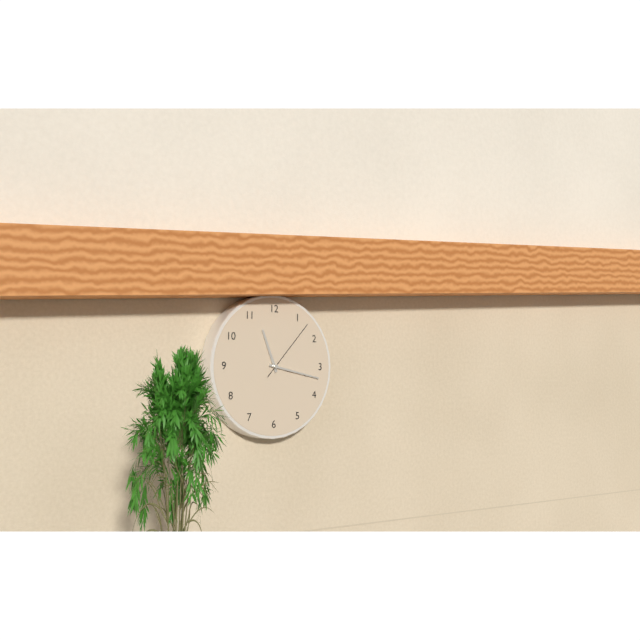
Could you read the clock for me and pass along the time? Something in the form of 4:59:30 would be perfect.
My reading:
11:17:07
